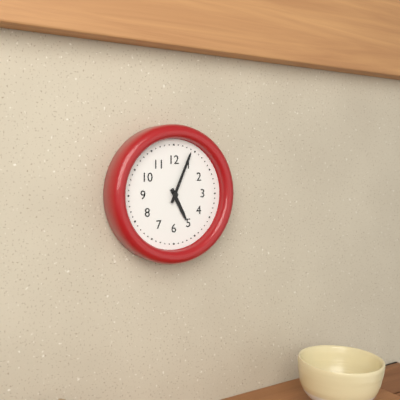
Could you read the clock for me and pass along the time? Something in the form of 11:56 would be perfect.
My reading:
5:04
